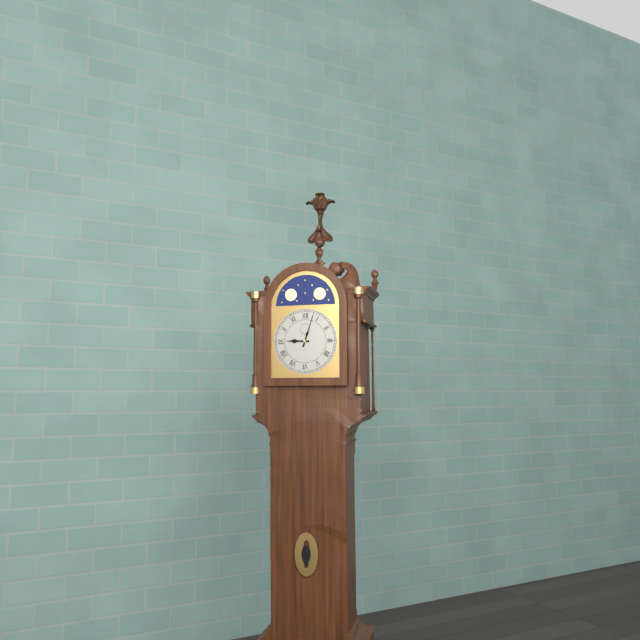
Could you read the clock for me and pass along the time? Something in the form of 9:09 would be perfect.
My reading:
9:03
